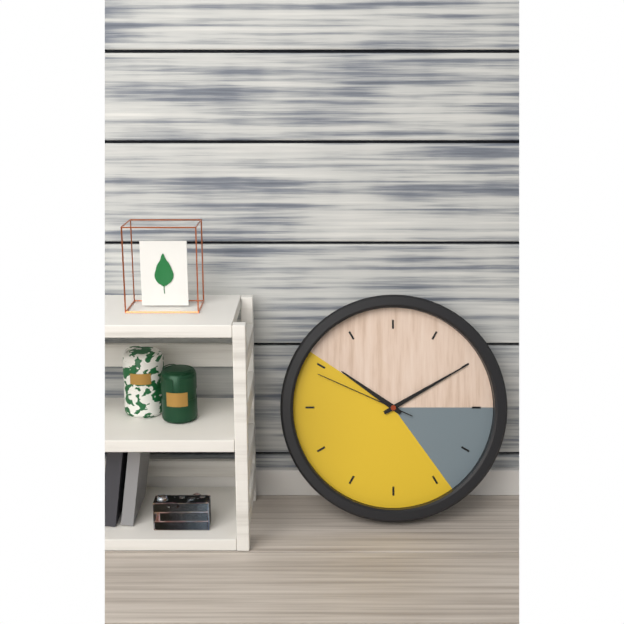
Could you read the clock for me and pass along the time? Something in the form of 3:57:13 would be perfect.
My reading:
10:10:49
